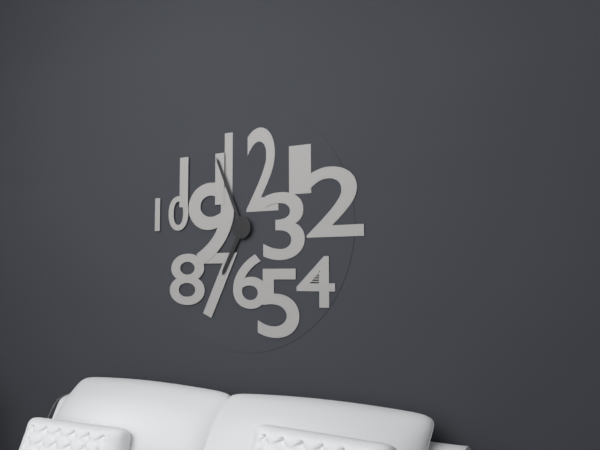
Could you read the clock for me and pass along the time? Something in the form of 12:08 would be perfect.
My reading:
6:56
